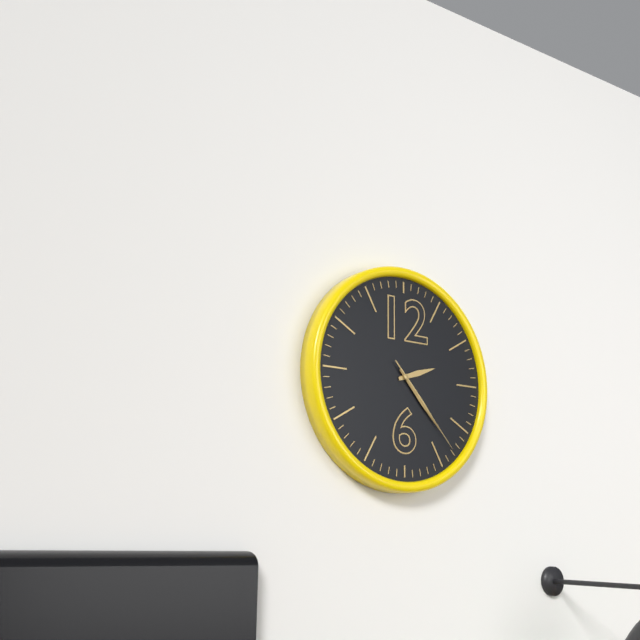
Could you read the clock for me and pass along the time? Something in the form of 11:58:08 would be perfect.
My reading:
2:23:23
